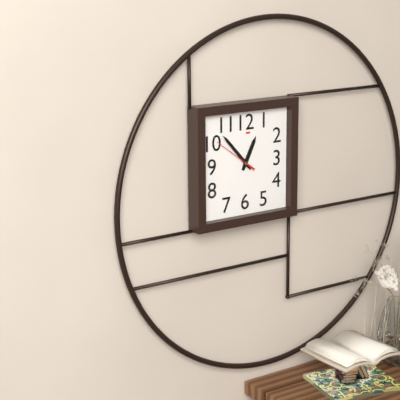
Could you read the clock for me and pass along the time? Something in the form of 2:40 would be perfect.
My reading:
12:53
